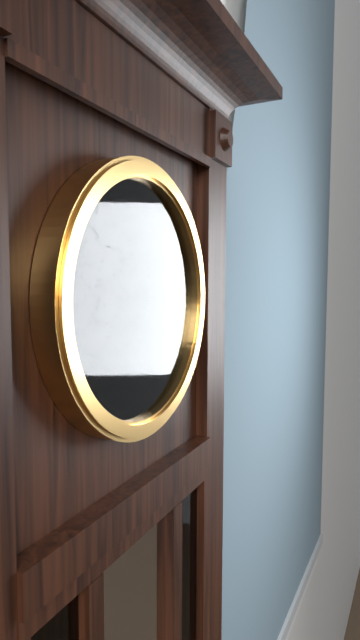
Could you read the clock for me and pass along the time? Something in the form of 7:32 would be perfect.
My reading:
10:40
